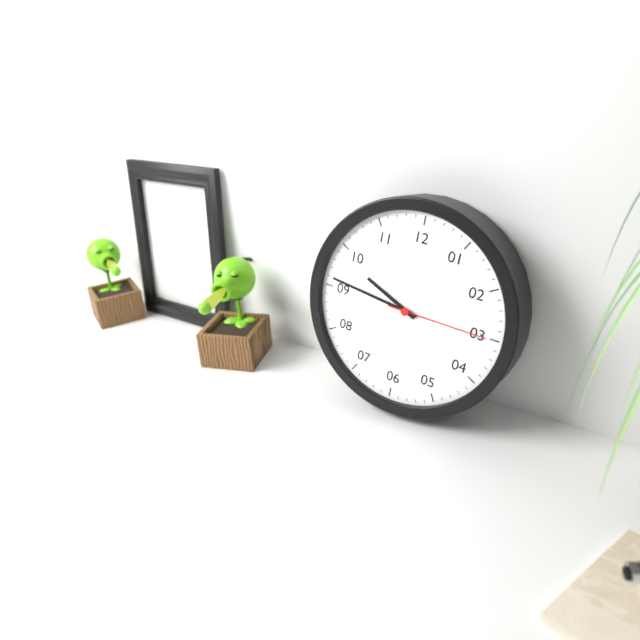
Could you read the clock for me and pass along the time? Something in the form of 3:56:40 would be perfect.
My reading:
9:46:15
